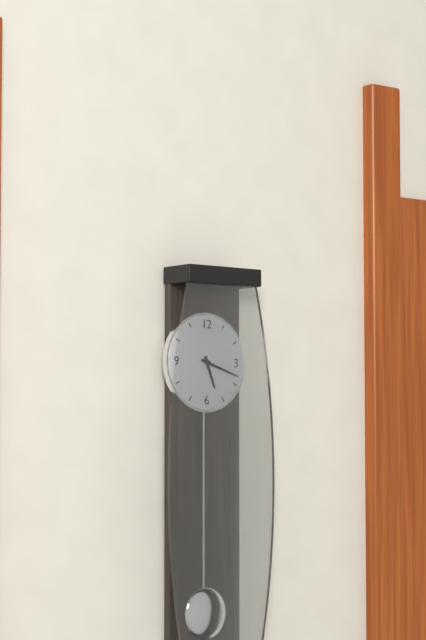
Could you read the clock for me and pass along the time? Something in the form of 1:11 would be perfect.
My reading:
5:18
